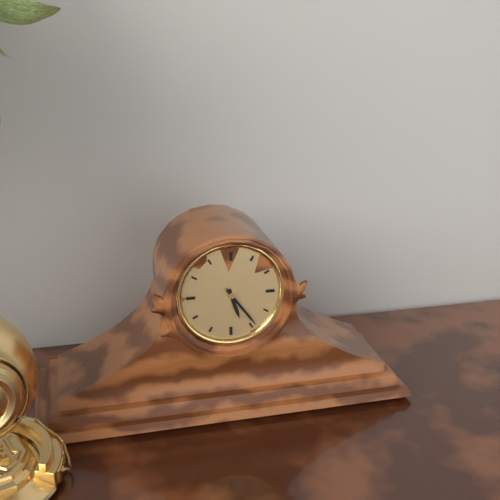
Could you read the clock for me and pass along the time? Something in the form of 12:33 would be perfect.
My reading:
5:24
